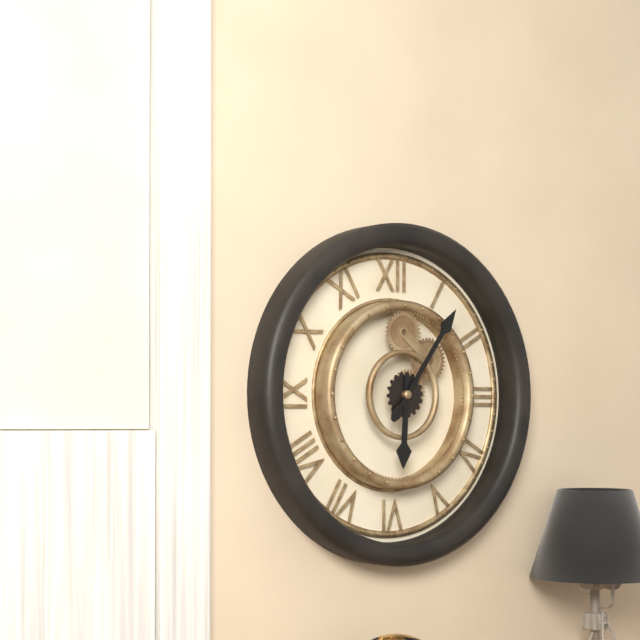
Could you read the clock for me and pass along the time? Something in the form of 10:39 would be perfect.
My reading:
6:06
